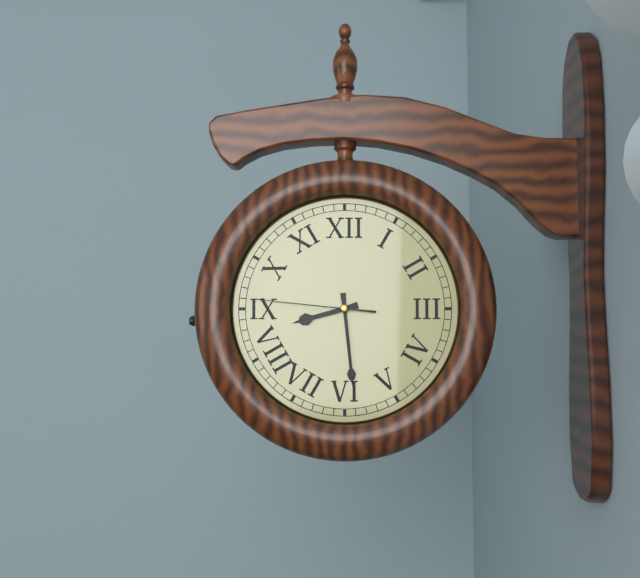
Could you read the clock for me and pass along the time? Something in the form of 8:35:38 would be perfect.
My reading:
8:29:46
